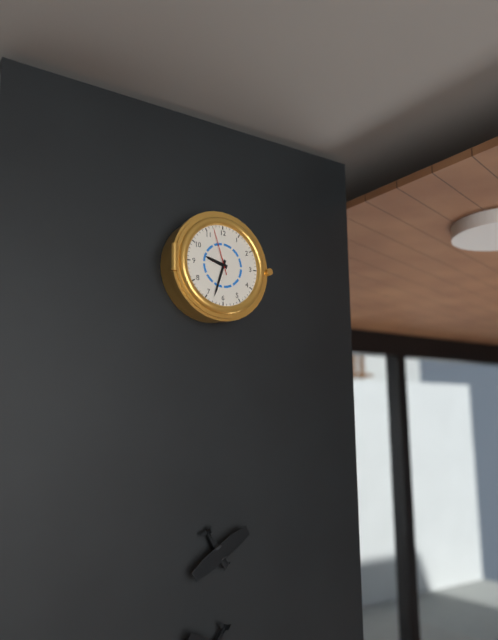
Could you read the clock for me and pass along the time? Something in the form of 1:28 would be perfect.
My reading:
9:33
